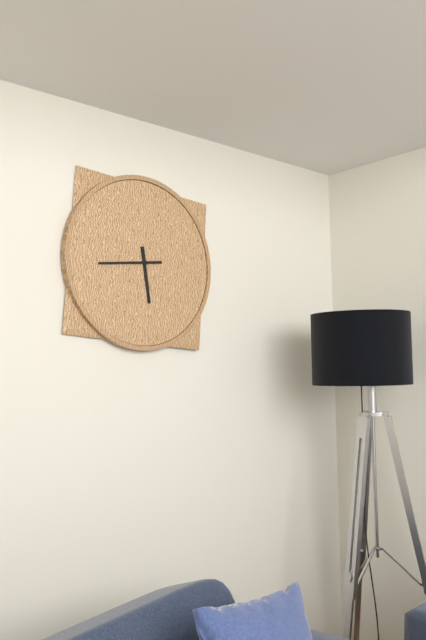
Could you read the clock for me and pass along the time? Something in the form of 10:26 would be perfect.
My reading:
5:44
